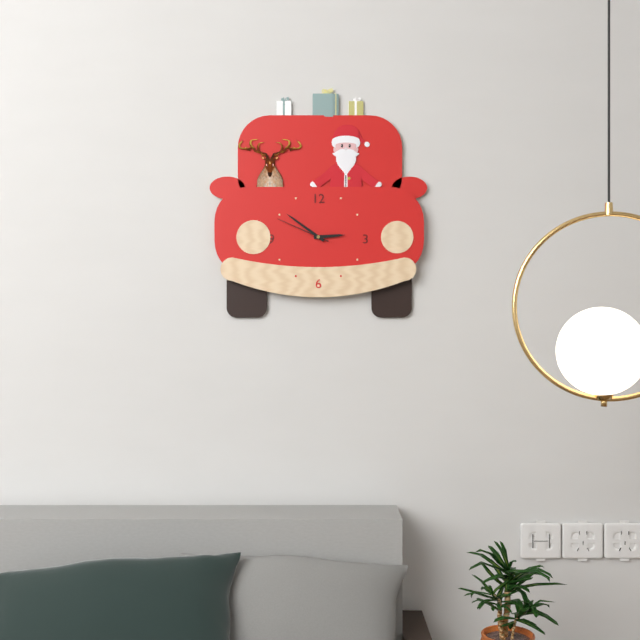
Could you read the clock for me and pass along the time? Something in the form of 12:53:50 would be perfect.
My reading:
2:51:49
